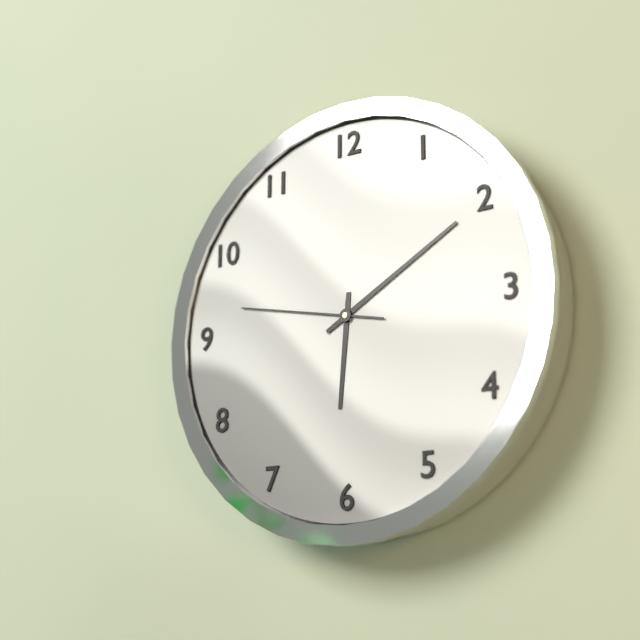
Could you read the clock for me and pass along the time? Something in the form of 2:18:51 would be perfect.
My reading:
6:10:47
